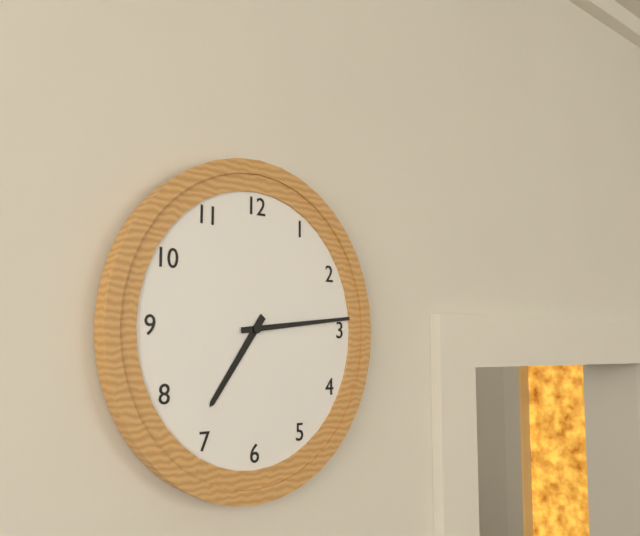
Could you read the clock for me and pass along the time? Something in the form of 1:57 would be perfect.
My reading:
7:14
